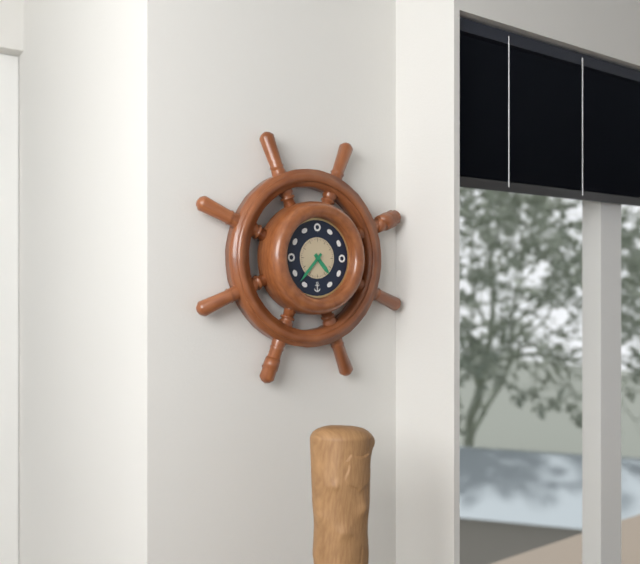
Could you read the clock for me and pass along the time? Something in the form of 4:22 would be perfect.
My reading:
4:37
